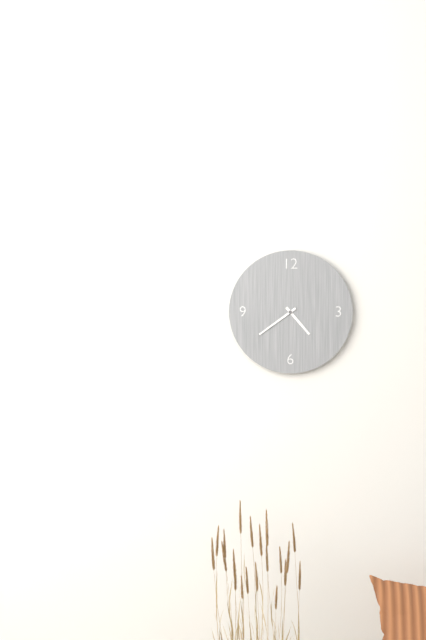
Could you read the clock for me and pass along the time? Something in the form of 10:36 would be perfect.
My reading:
4:39
